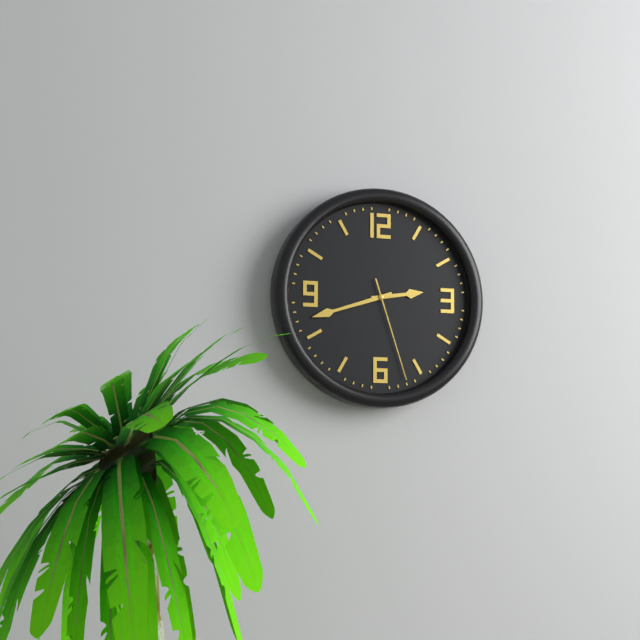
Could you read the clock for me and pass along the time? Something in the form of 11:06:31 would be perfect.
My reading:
2:42:27
